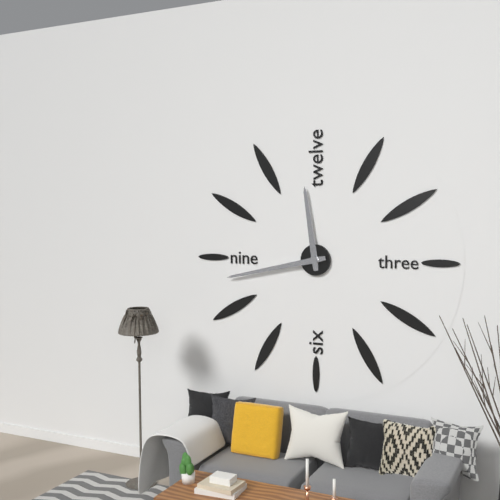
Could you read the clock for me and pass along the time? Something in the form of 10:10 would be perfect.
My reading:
11:43
